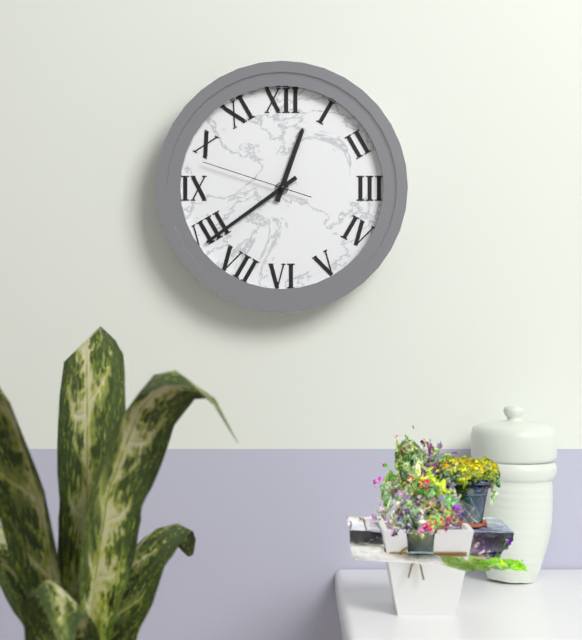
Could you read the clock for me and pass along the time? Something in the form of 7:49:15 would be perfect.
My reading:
12:39:48
